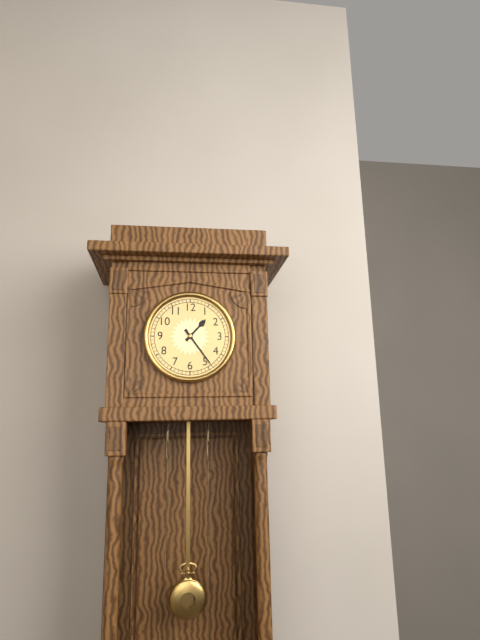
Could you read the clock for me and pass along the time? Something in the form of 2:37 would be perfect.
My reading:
1:24
